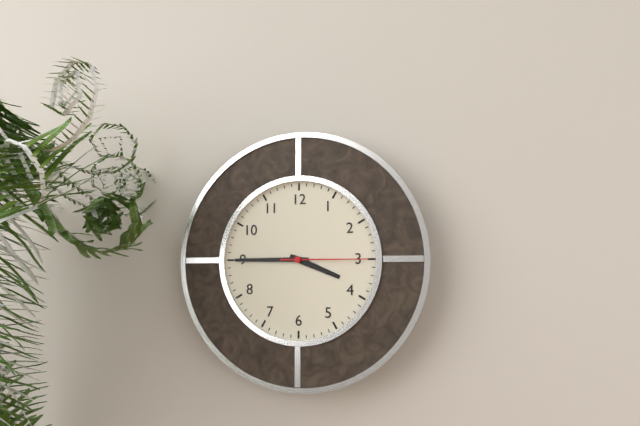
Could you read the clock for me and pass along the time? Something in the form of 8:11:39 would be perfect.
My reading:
3:45:15
